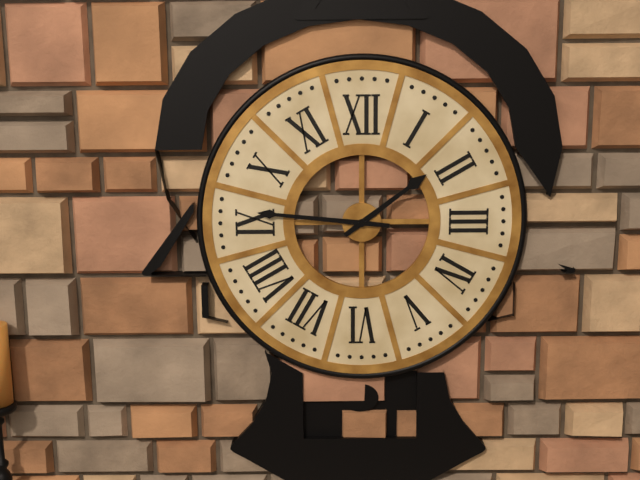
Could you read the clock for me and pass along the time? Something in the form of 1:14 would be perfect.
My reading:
1:46
